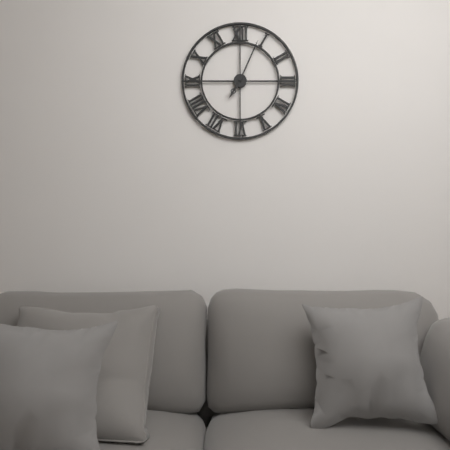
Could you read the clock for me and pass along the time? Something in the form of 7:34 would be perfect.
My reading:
7:04
